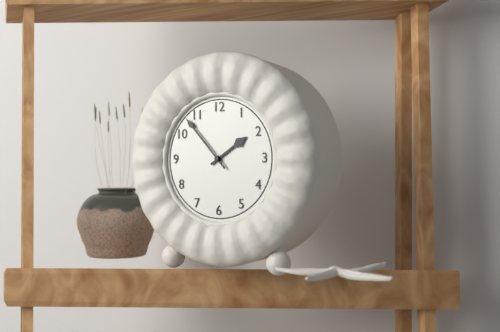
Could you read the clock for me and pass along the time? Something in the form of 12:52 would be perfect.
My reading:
1:53
